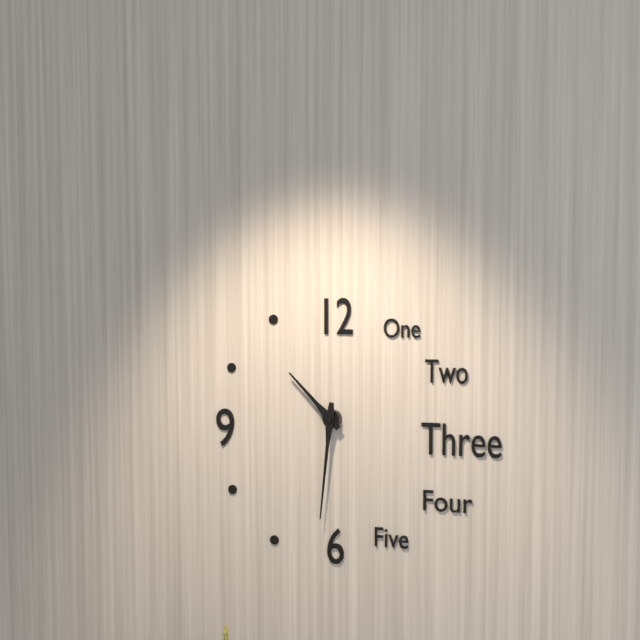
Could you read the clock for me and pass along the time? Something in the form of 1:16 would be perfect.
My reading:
10:31
